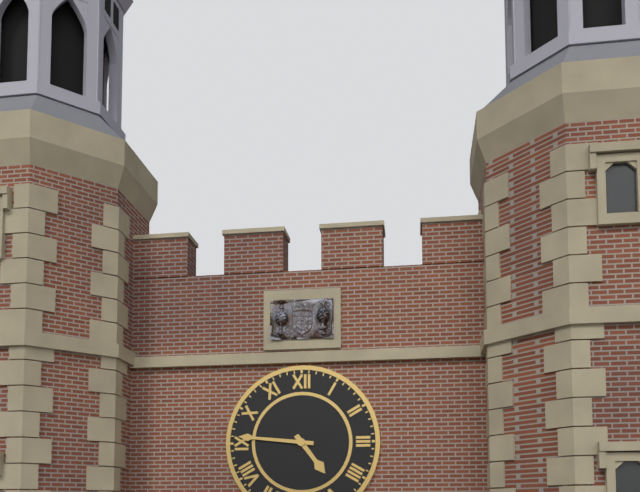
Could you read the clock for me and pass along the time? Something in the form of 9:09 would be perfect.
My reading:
4:46
